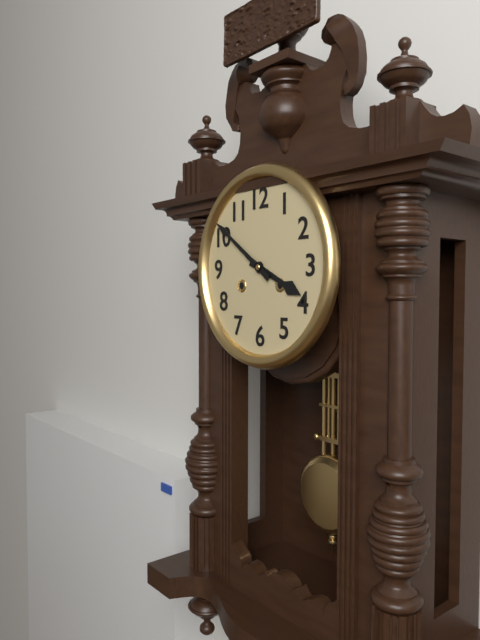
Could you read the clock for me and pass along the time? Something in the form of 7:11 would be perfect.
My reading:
3:51
